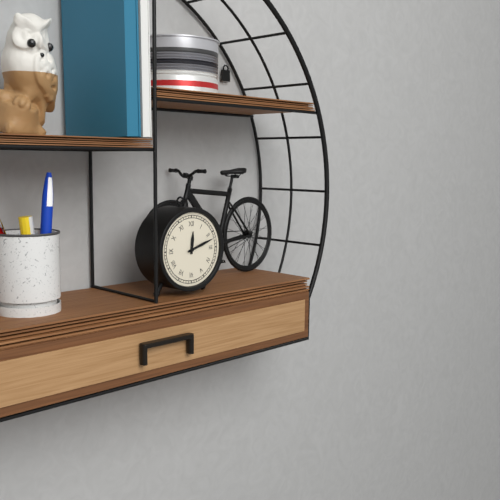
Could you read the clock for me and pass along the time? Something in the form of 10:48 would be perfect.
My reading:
12:12
